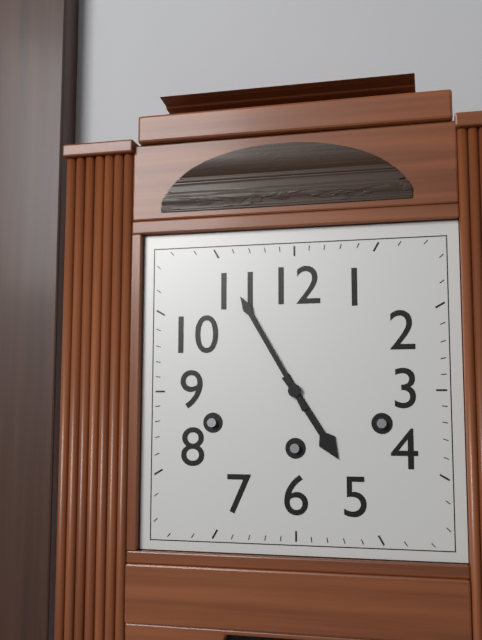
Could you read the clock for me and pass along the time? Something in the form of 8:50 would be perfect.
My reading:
4:55
